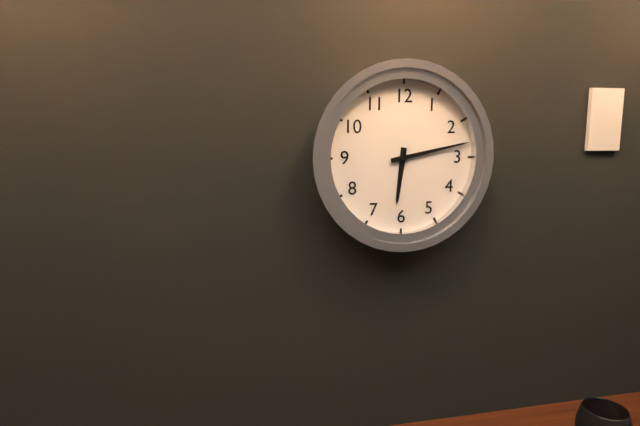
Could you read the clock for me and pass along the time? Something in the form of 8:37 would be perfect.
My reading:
6:13
